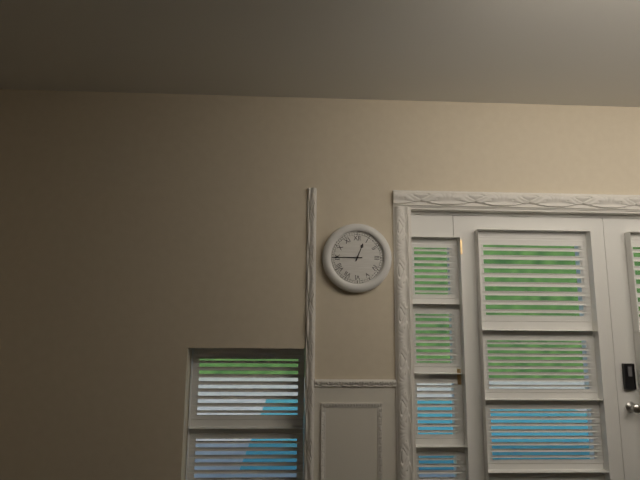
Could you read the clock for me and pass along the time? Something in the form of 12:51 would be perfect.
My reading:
12:45
